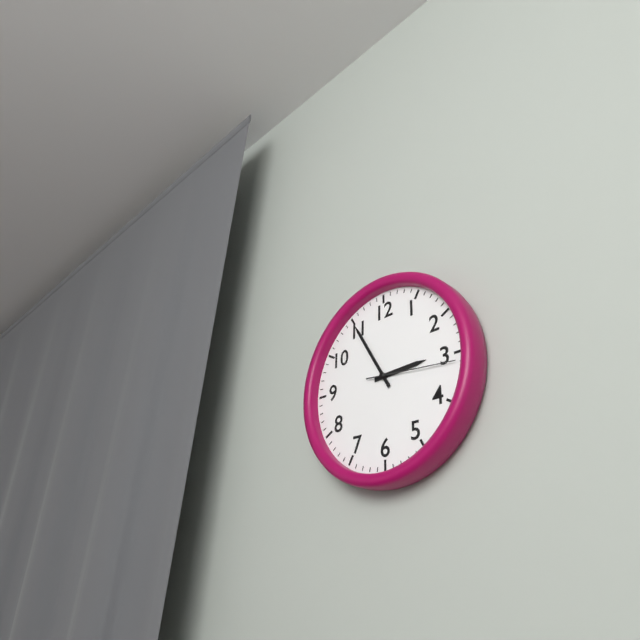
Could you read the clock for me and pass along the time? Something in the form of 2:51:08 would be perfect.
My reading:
2:55:16
